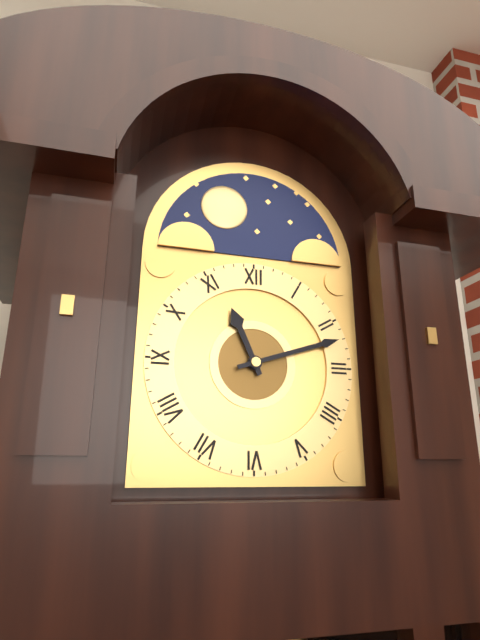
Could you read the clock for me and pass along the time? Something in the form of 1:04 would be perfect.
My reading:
11:12
